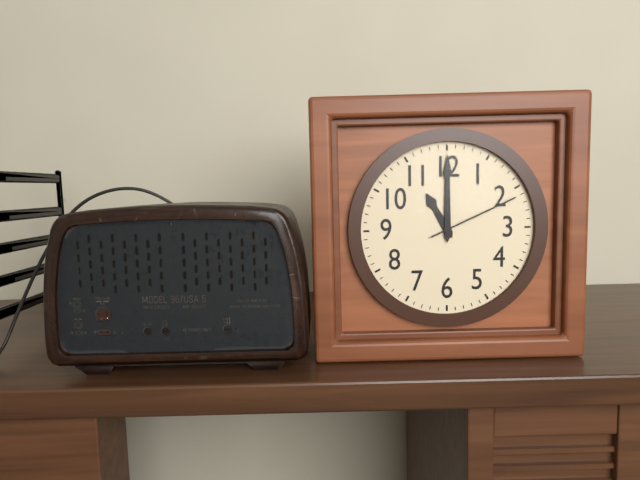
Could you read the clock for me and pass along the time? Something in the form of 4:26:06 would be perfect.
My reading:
11:00:11
